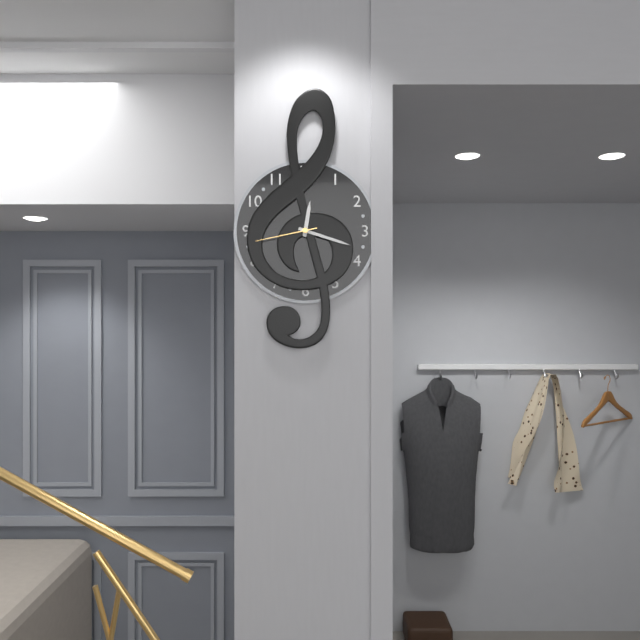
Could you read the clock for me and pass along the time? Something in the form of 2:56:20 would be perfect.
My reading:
12:18:43
